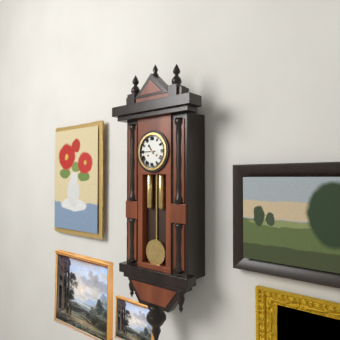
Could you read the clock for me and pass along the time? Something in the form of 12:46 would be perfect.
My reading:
10:45
